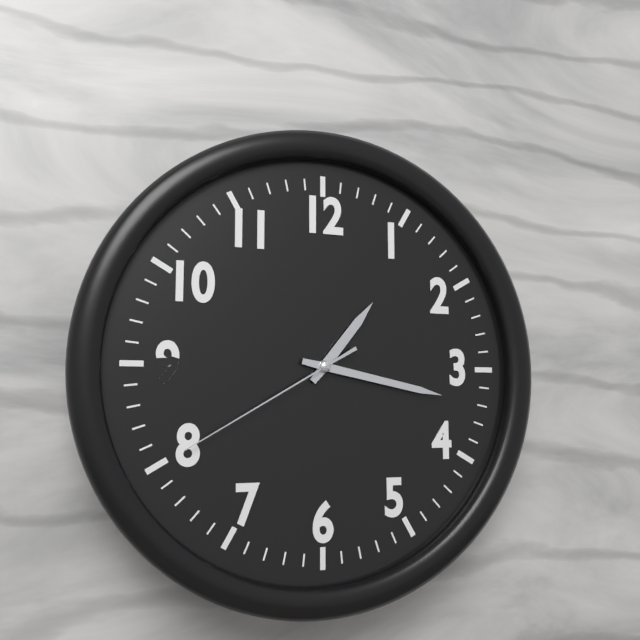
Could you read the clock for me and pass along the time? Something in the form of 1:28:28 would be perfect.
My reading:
1:17:40
